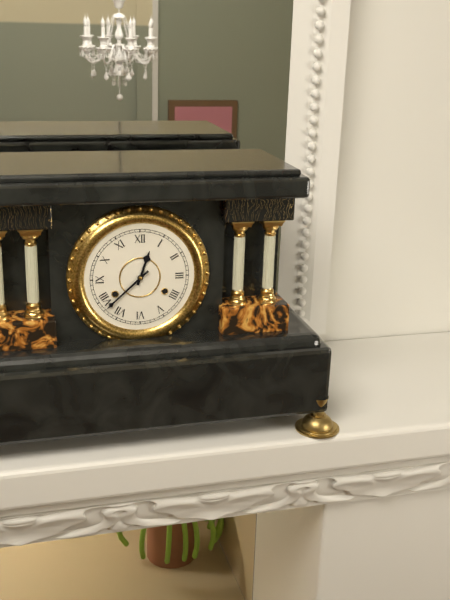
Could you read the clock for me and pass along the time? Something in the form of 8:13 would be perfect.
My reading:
12:38
